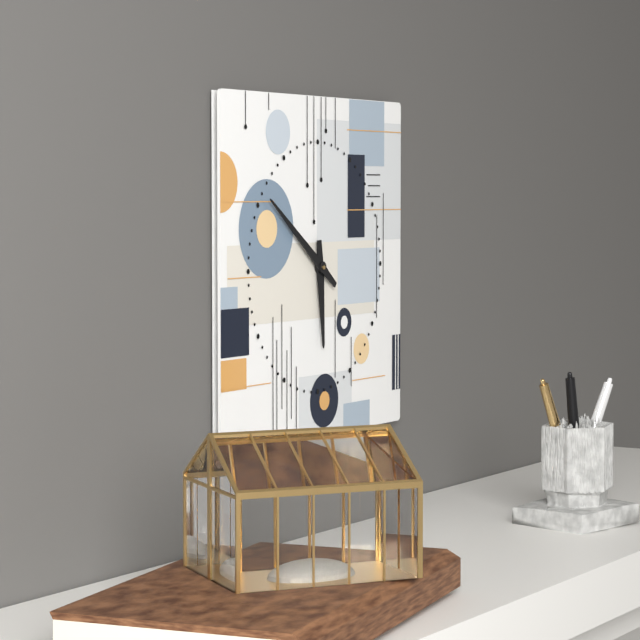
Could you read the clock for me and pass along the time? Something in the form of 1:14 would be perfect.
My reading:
5:51
